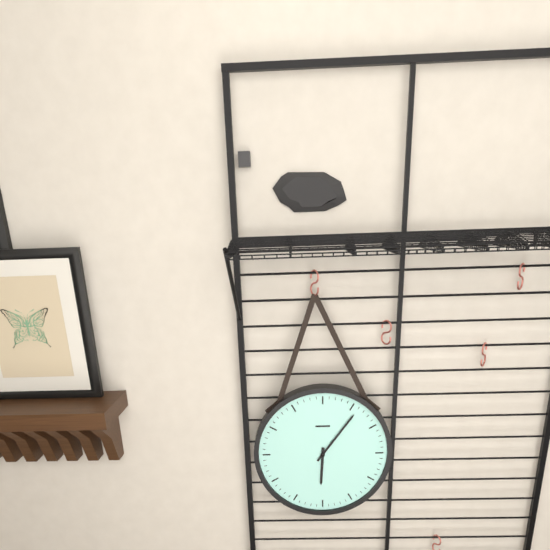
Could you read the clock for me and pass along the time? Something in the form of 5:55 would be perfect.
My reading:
6:06
